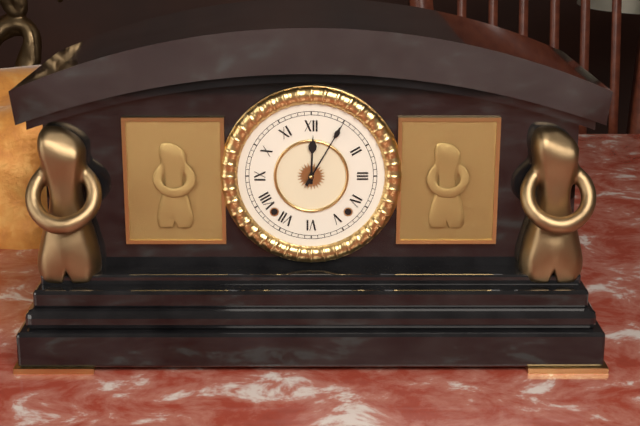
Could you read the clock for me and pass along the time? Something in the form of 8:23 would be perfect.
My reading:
12:05
